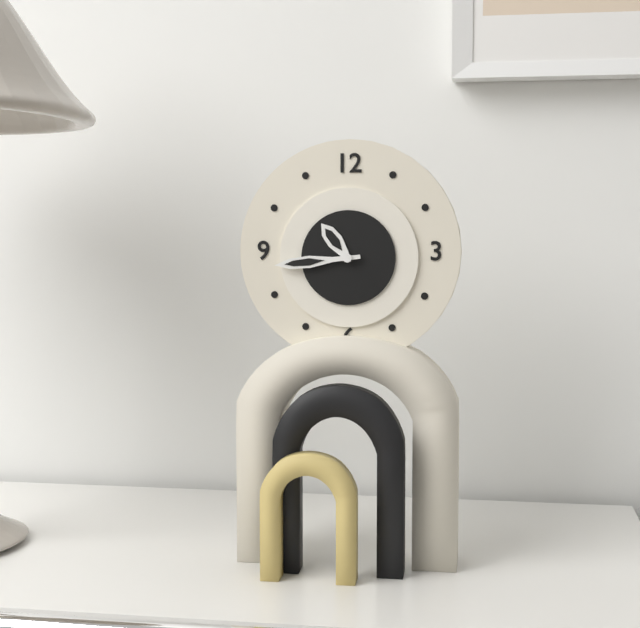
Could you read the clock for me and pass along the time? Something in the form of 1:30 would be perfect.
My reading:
10:44
